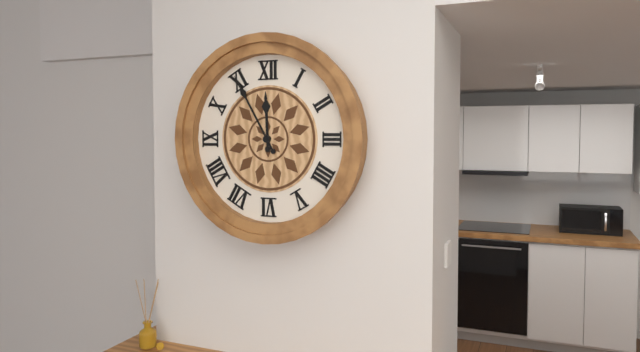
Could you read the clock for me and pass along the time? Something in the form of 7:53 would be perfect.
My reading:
11:55
